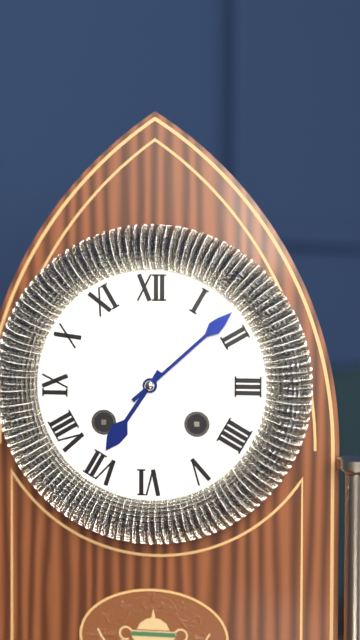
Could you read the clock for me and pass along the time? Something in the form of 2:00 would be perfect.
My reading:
7:08
